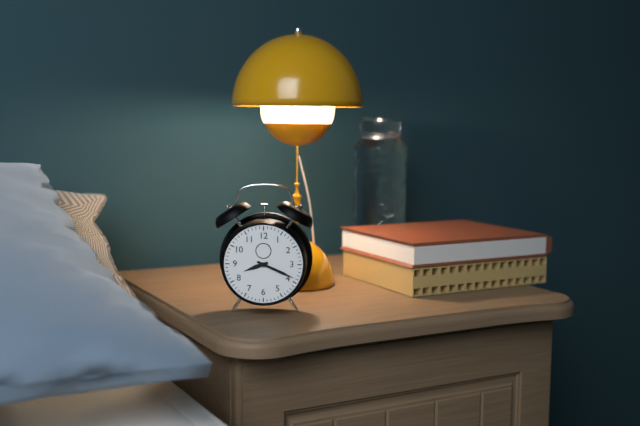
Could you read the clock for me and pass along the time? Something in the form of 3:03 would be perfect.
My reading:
8:19
